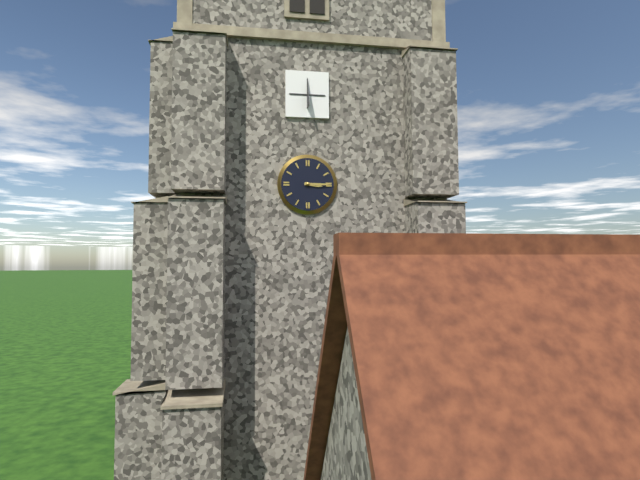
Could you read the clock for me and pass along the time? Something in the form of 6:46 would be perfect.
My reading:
3:15
